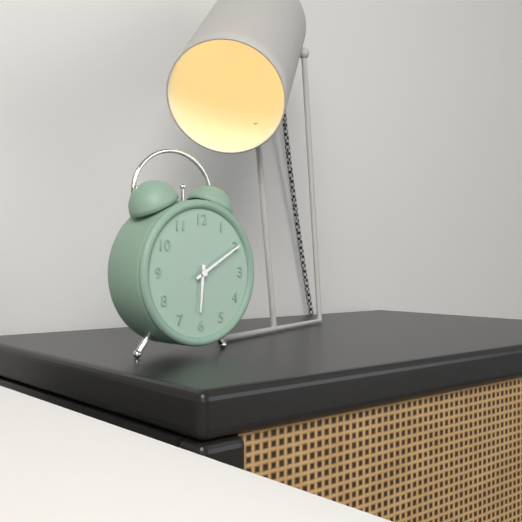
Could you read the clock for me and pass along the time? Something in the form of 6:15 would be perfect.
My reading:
6:10
